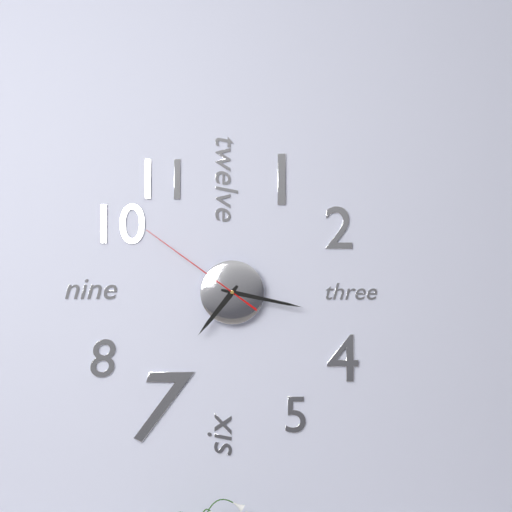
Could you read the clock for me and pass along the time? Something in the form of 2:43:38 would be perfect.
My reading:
7:17:51
